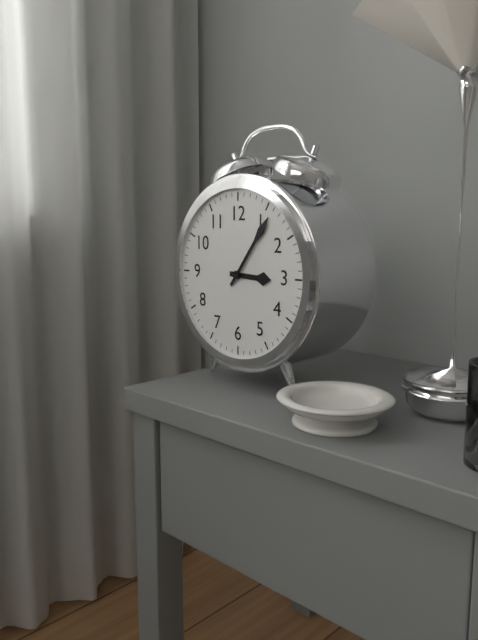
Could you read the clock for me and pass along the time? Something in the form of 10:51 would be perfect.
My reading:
3:06
